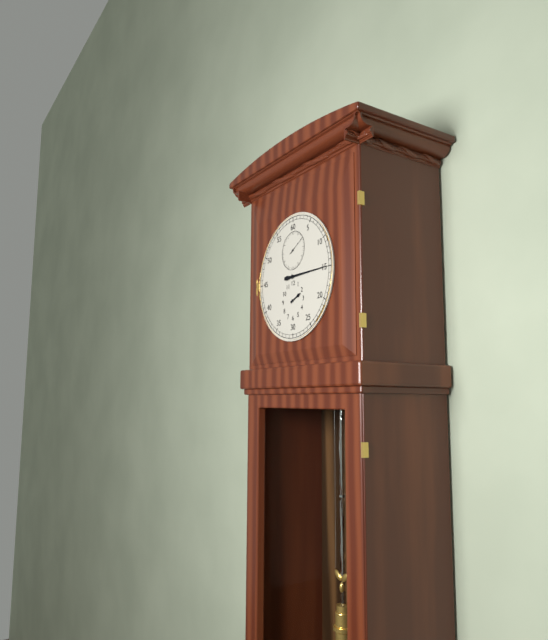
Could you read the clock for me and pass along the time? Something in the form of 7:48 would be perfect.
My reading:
2:15
